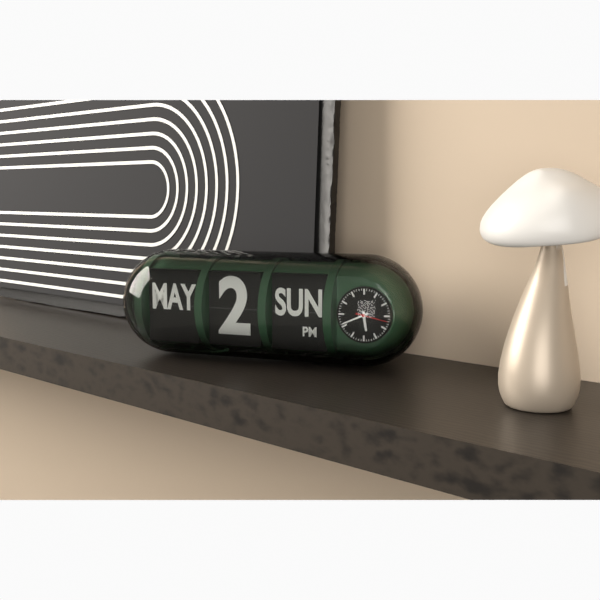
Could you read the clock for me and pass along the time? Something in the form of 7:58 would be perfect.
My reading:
5:41
